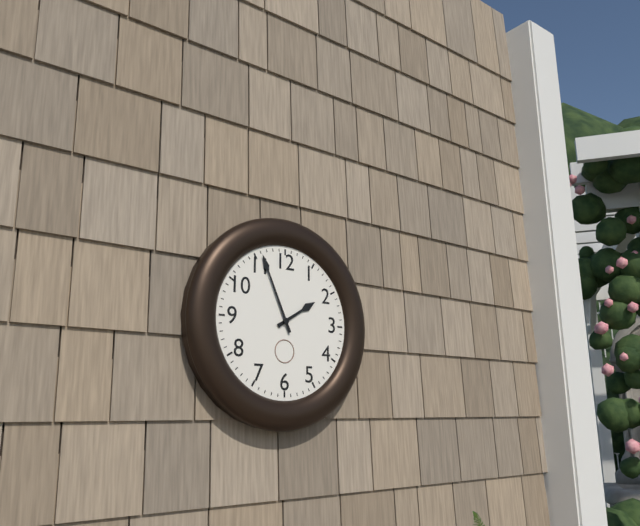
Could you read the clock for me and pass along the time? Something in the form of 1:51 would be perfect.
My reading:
1:56
